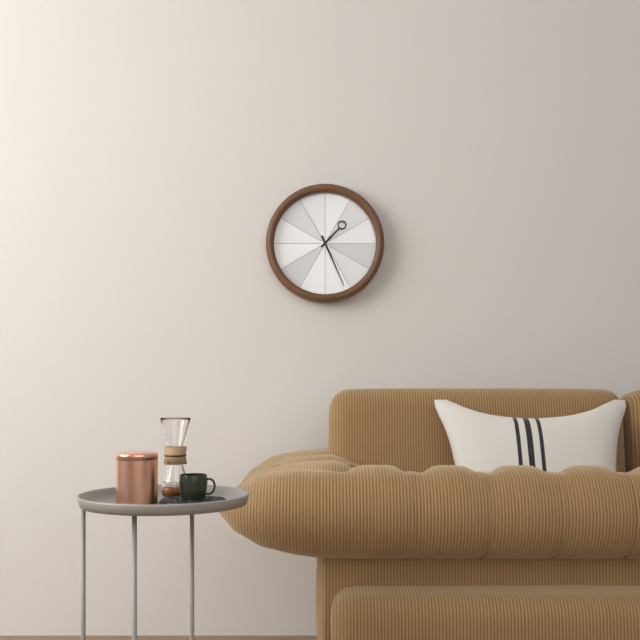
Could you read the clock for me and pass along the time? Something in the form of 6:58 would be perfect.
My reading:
1:26
